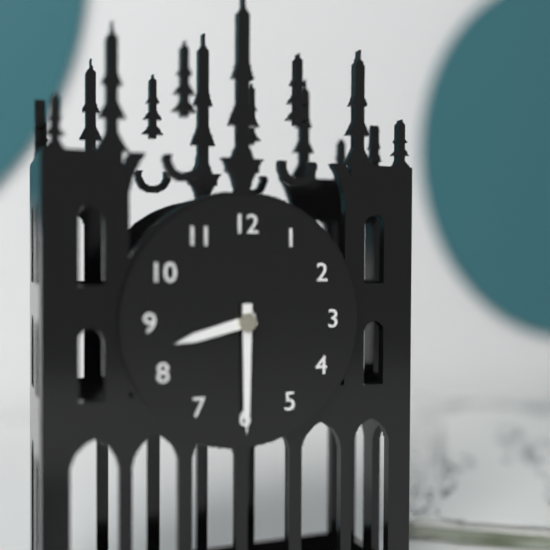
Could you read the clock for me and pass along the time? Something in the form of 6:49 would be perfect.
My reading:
8:30
